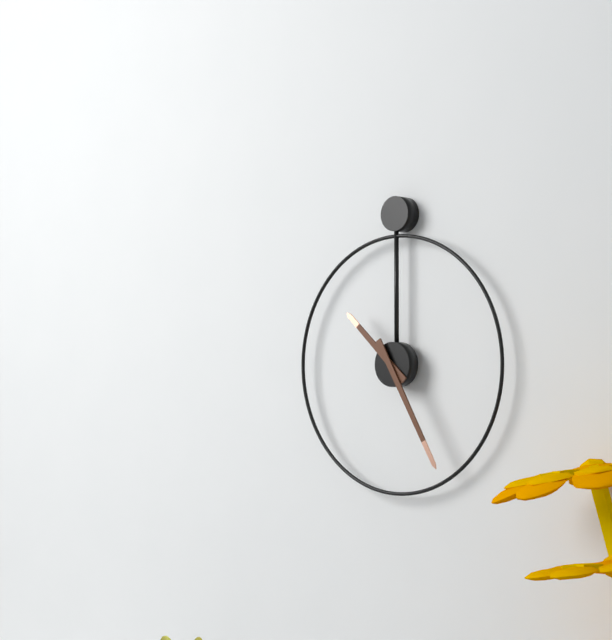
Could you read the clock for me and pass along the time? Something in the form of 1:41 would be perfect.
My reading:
10:25
